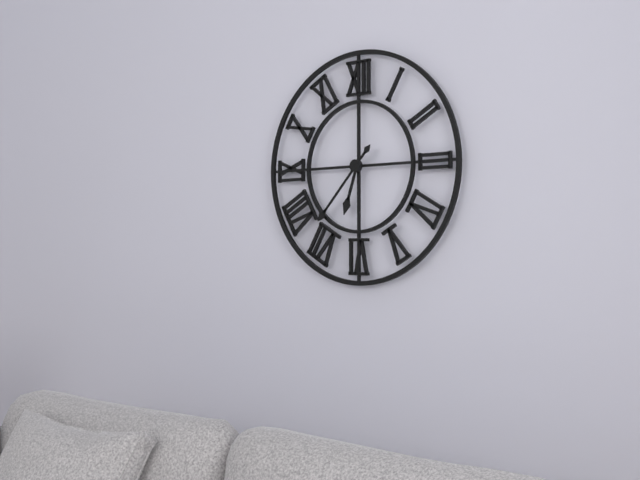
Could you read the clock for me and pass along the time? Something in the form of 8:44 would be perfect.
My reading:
6:37
